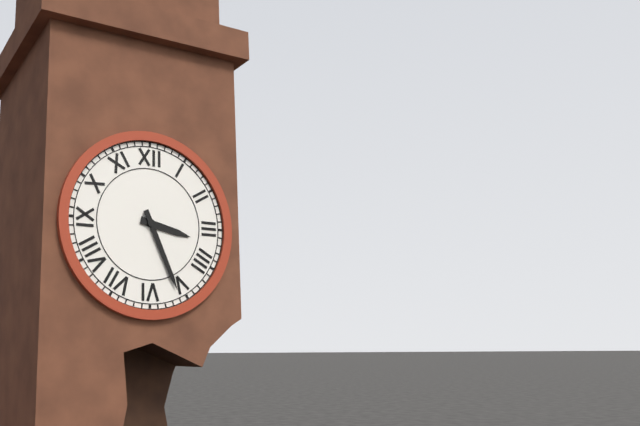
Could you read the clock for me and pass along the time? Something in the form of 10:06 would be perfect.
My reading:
3:26
